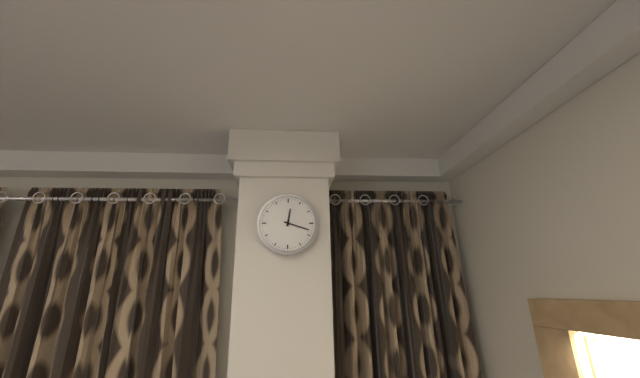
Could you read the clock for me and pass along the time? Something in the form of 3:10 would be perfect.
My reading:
12:18
